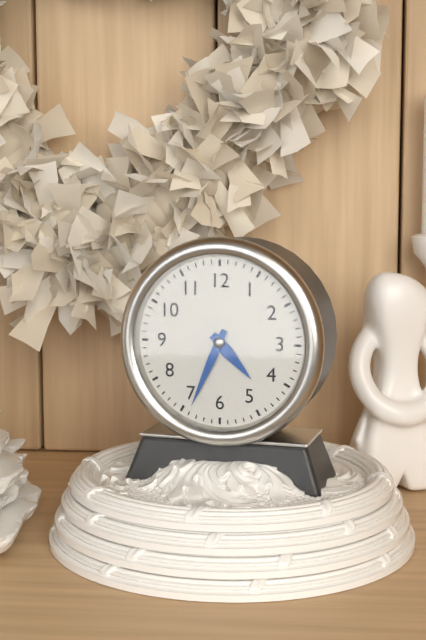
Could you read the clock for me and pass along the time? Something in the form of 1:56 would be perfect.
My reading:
4:34
